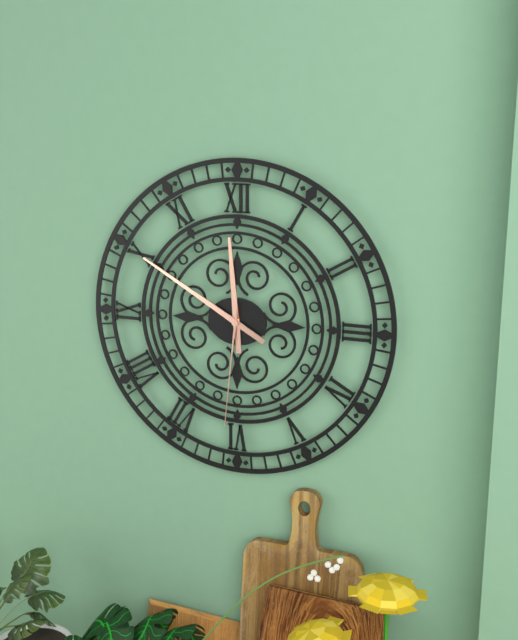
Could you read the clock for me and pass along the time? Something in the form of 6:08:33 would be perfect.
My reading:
11:50:31
